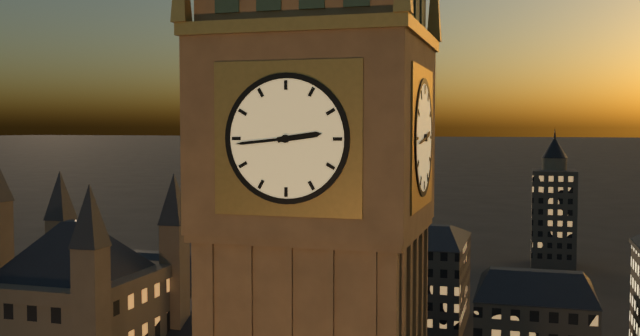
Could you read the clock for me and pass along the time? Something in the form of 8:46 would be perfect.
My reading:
2:44
